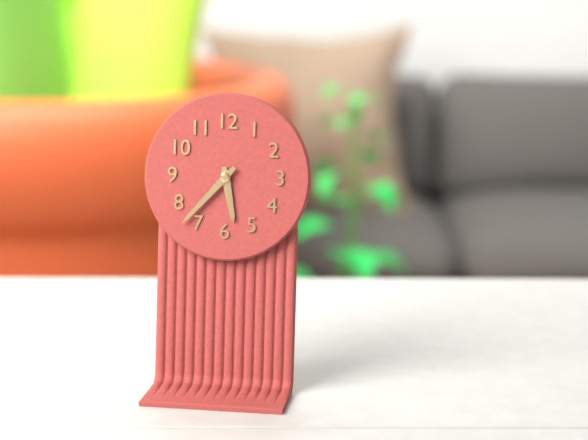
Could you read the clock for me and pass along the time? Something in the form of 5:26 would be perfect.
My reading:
5:37
